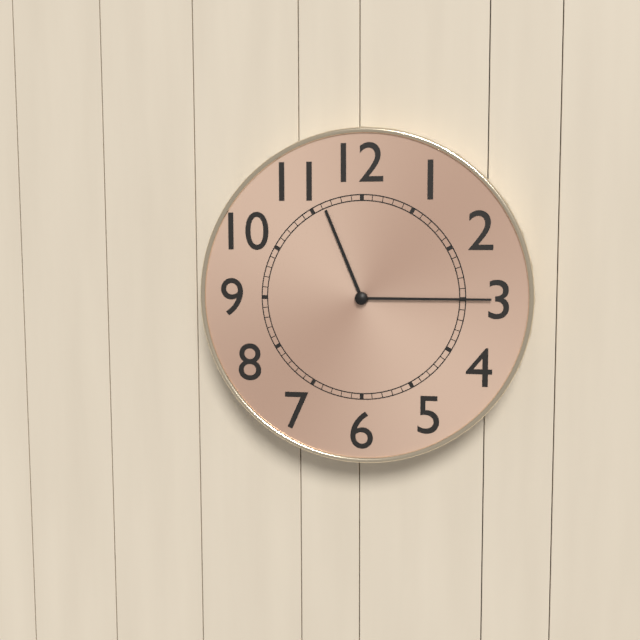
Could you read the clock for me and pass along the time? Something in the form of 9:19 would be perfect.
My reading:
11:15
